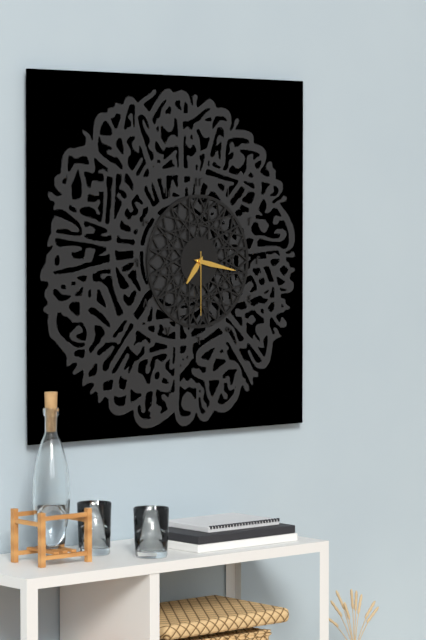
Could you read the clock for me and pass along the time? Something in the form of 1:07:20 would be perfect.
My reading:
7:17:30
